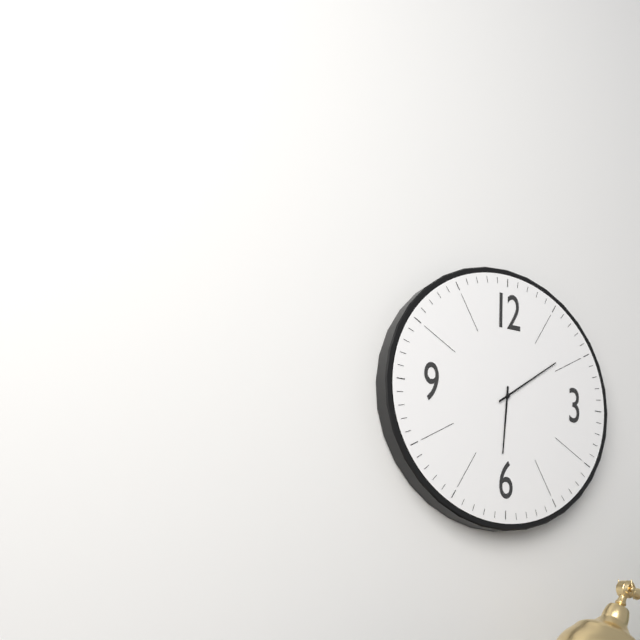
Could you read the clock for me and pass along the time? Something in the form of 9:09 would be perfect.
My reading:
6:09
